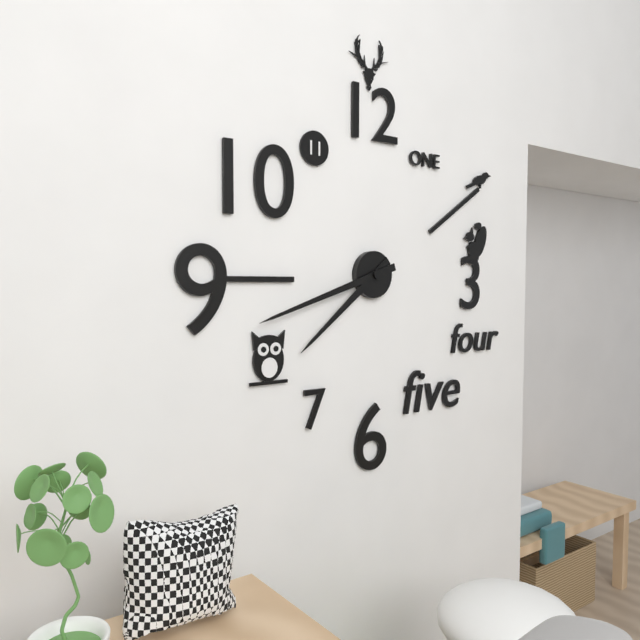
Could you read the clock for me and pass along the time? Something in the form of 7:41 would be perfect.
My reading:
7:42
